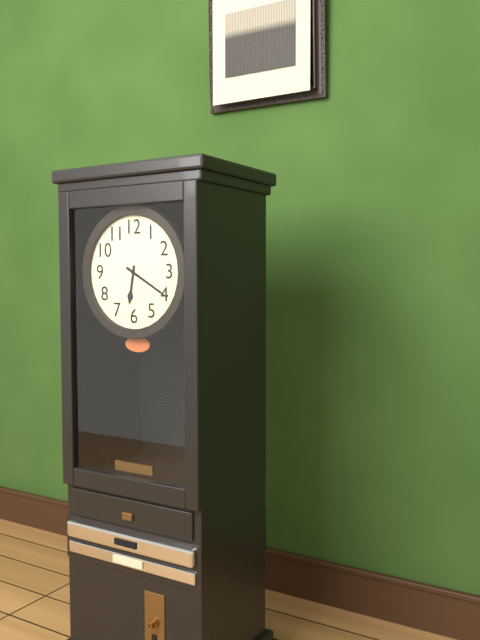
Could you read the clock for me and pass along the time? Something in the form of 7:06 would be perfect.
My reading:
6:20
